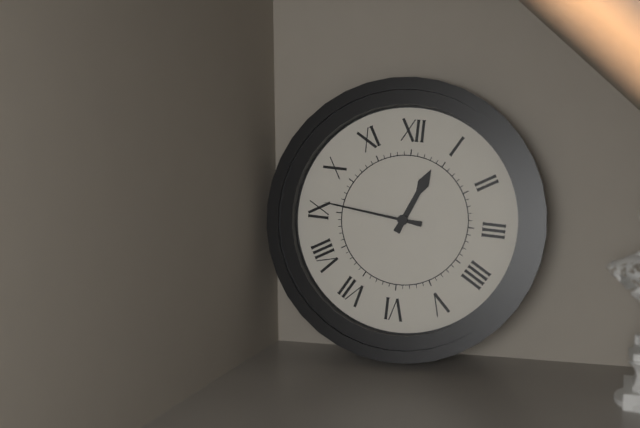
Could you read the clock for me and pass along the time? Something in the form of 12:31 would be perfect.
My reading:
12:46
